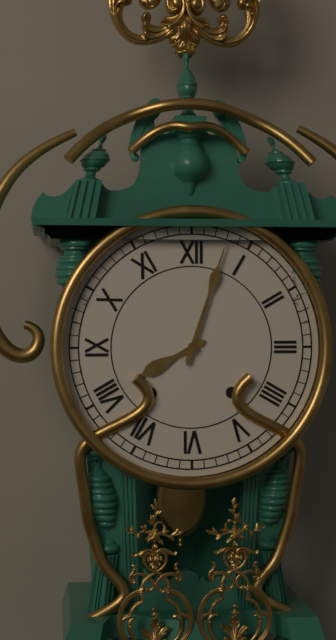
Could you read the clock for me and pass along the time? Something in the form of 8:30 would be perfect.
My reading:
8:03
